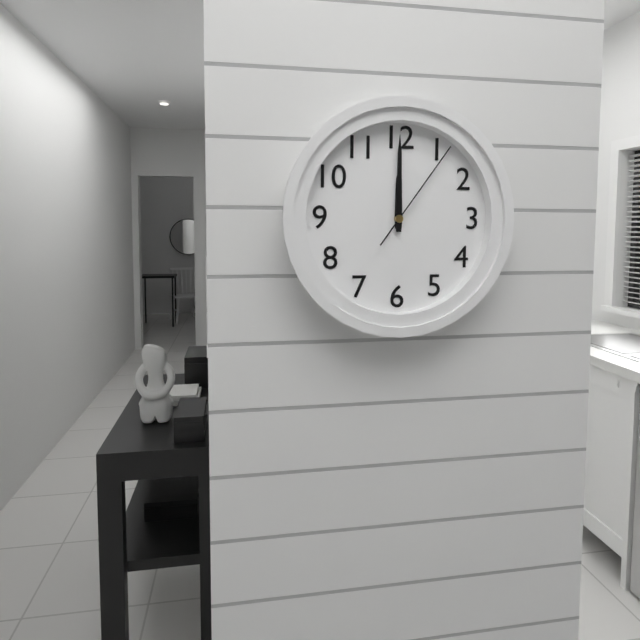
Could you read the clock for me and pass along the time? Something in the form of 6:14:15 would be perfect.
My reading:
12:00:06
